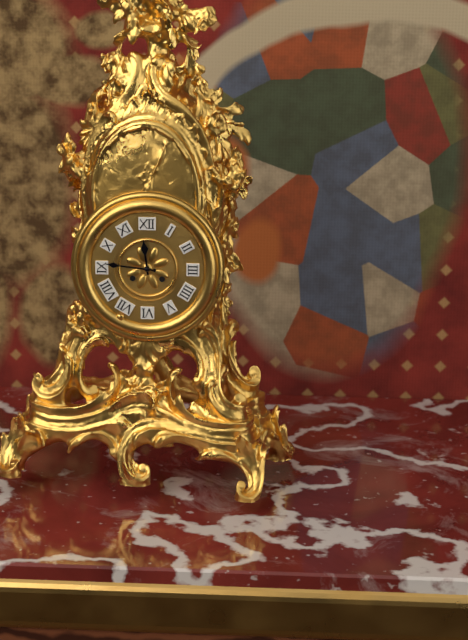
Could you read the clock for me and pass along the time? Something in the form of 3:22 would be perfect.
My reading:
11:46
